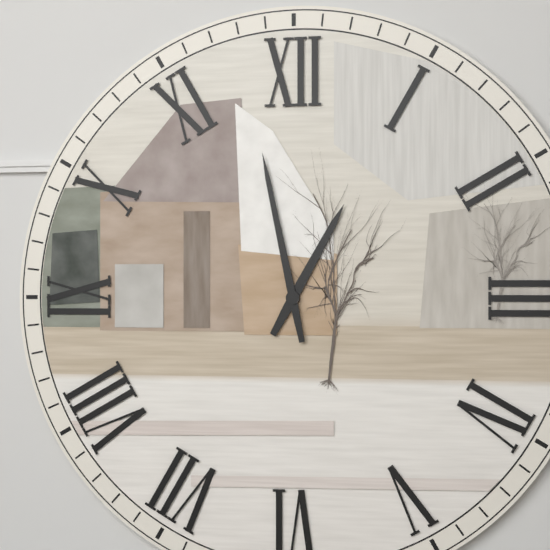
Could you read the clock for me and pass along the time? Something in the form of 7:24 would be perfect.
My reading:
12:58
